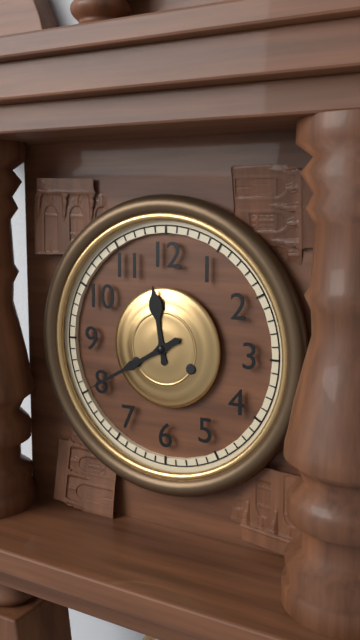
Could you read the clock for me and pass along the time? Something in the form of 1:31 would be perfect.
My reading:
11:40
